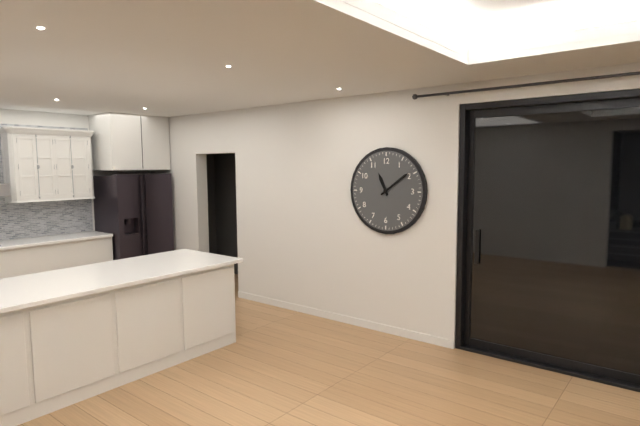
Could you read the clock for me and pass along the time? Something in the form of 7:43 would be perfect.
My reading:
11:09
